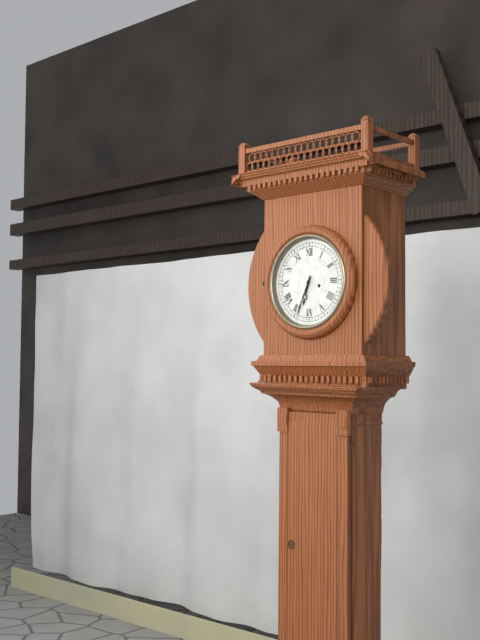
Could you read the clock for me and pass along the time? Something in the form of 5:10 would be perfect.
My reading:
6:34
